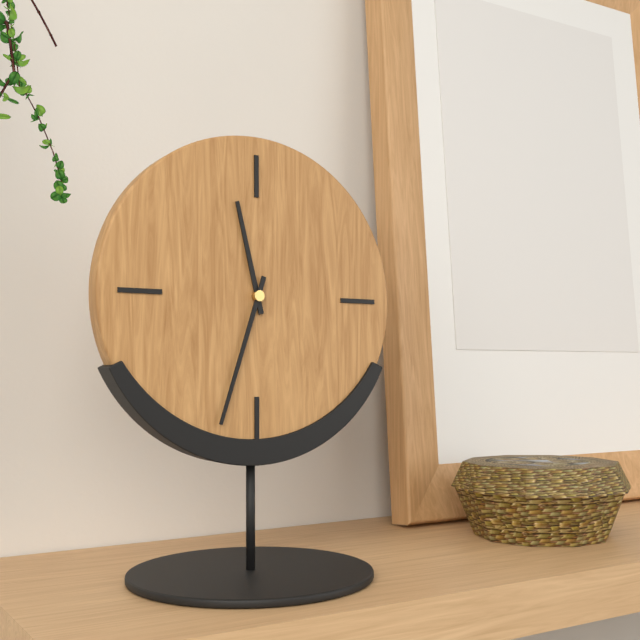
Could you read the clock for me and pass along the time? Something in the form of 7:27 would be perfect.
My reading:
11:33
